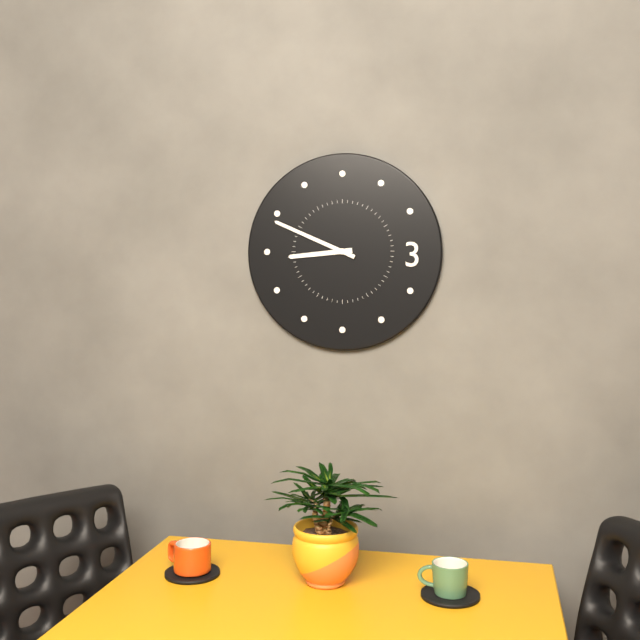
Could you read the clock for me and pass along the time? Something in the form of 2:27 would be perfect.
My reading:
8:49
